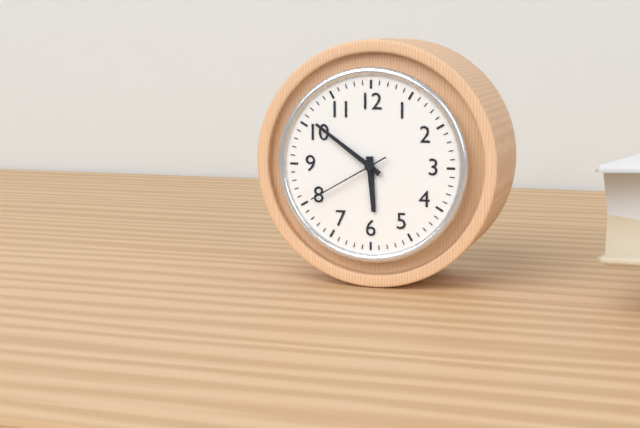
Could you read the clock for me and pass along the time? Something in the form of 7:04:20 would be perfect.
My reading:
5:51:40
